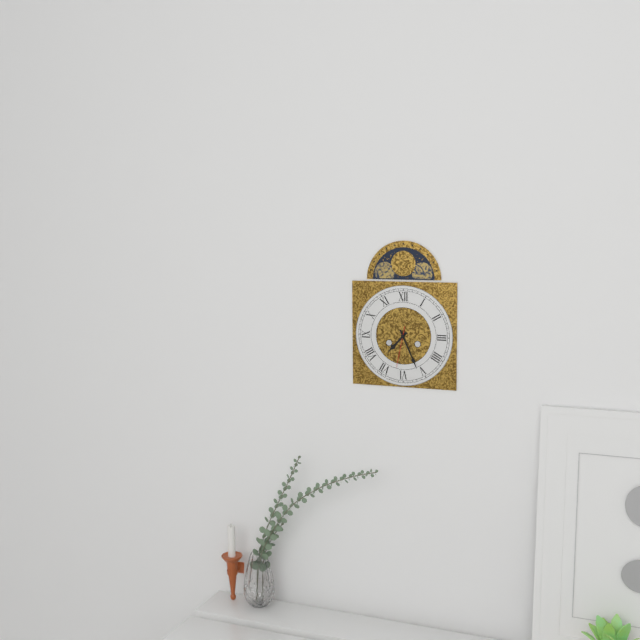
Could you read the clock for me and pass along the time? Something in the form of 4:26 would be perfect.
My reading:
7:26
